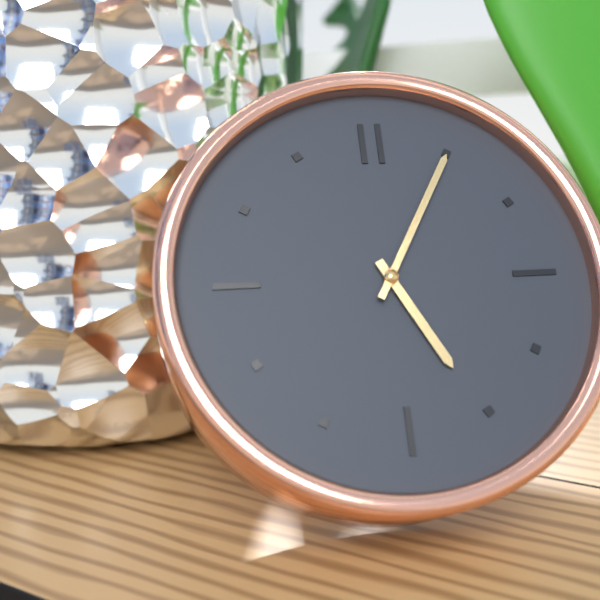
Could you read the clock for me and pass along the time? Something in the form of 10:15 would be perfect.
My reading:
5:05
